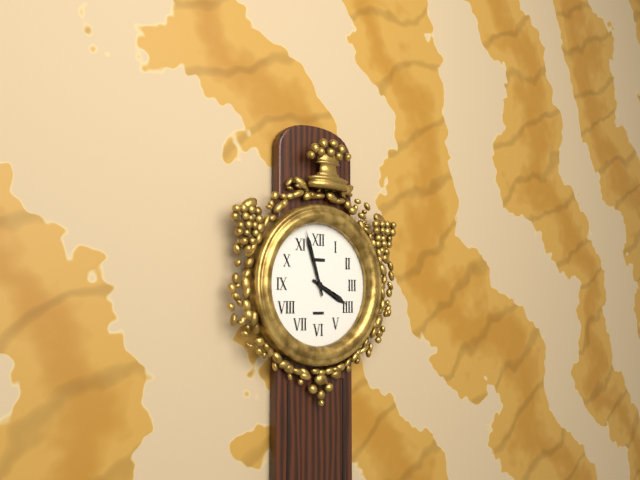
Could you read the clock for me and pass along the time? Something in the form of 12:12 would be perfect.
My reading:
3:57
